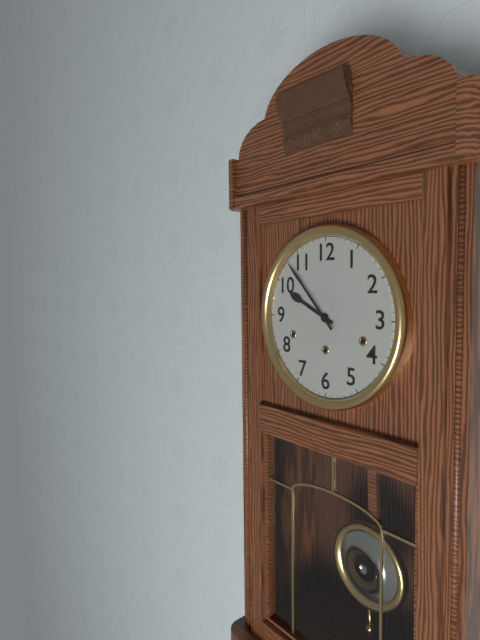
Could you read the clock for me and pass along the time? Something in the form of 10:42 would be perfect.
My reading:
9:53
